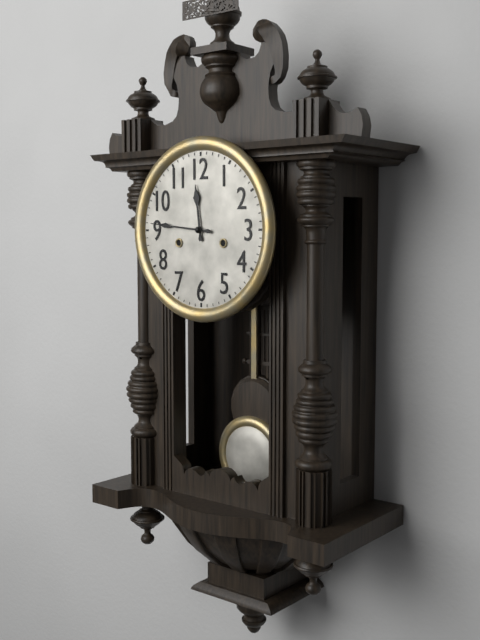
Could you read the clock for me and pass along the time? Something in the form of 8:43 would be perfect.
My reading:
11:46
